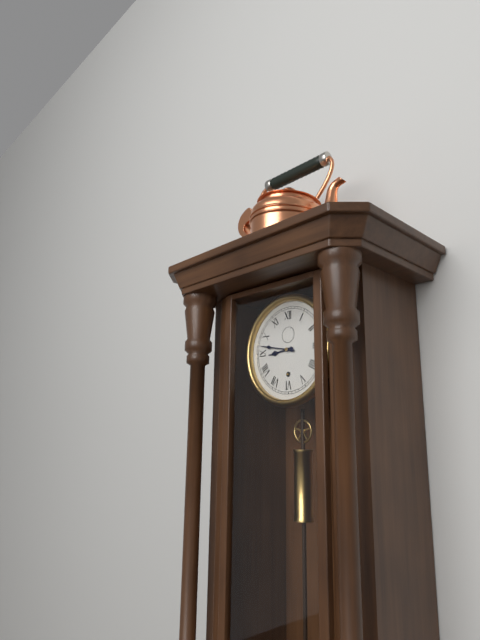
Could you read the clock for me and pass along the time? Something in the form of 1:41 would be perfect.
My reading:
8:47
